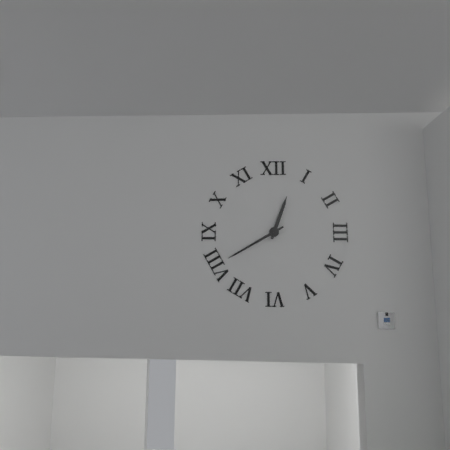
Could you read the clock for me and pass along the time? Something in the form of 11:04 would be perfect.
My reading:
12:40
